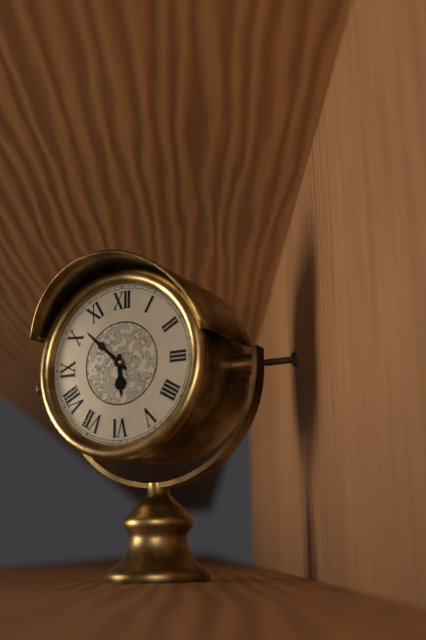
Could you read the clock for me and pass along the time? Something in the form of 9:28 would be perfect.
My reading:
5:52
